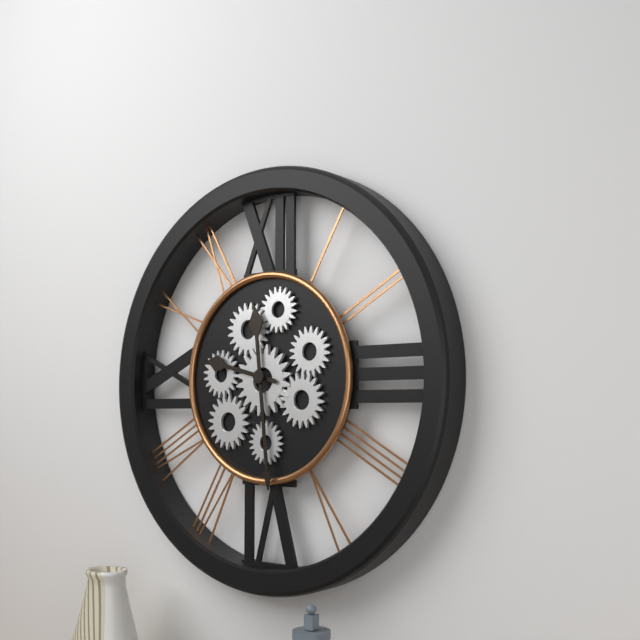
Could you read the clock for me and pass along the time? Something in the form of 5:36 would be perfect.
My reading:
9:29
